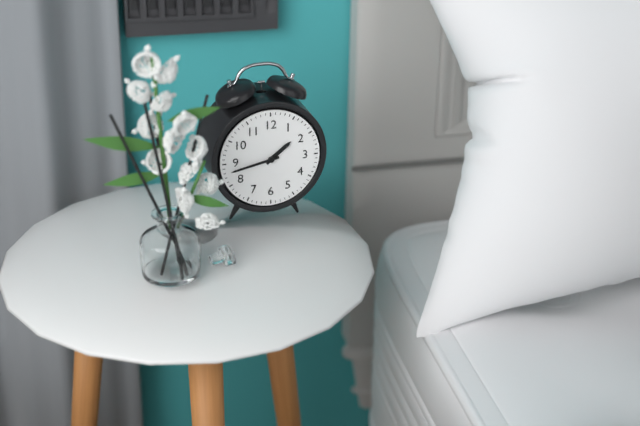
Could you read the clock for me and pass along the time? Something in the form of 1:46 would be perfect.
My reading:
1:43
